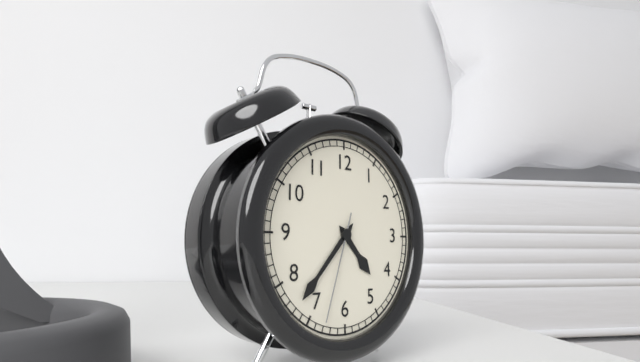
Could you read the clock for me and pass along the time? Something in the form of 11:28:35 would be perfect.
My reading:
4:37:33
